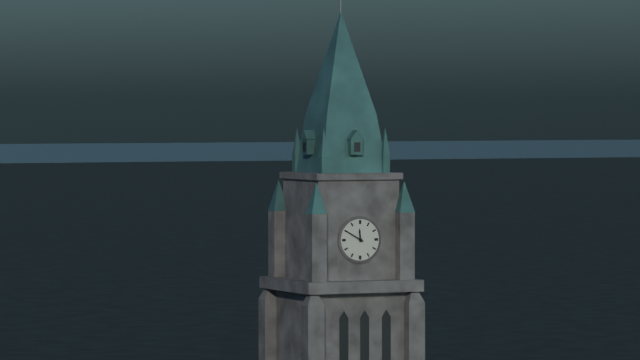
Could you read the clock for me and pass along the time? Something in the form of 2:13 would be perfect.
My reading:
11:50
